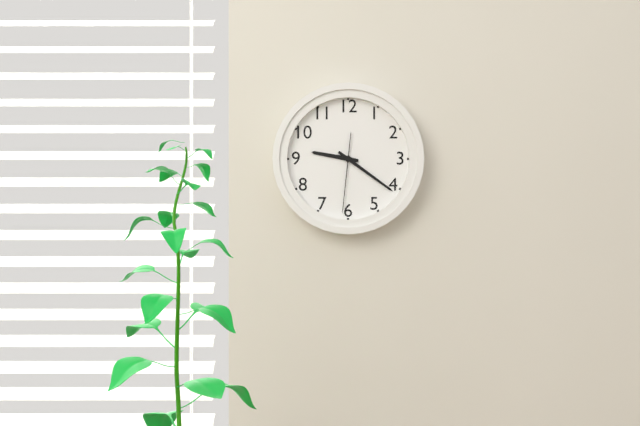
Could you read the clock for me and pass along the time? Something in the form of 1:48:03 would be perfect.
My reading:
9:21:31
